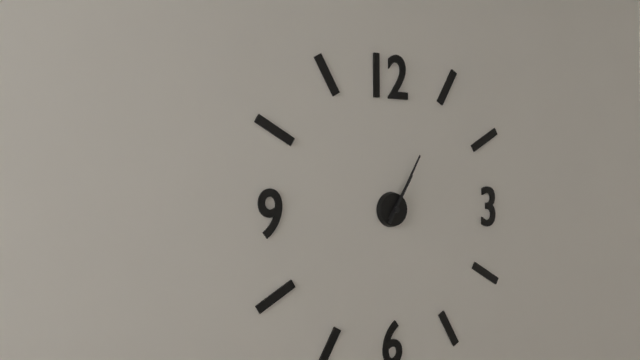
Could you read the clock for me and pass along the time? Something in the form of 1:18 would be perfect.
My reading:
1:05
